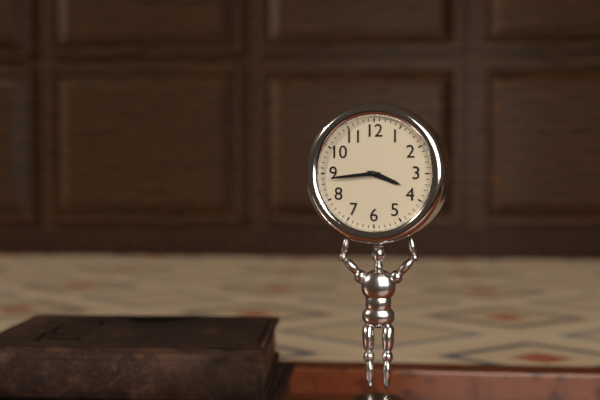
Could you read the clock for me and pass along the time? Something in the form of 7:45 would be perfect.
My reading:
3:44
